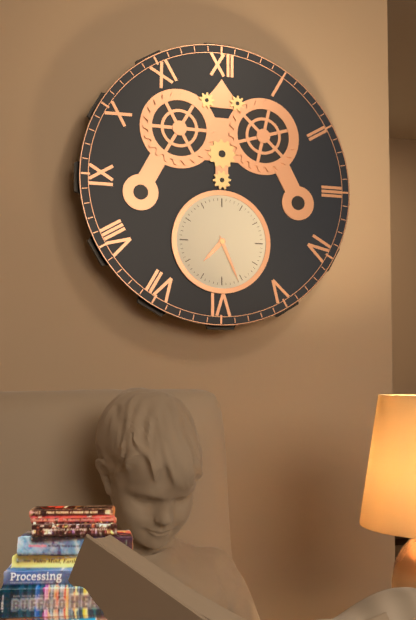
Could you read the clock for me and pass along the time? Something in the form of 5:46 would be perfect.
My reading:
7:26
